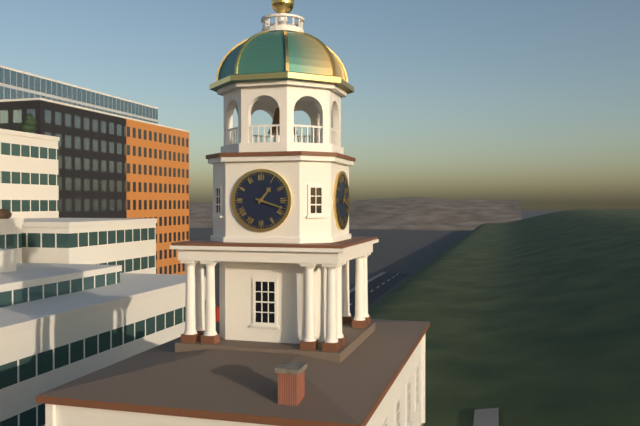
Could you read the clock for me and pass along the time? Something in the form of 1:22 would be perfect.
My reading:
1:18
